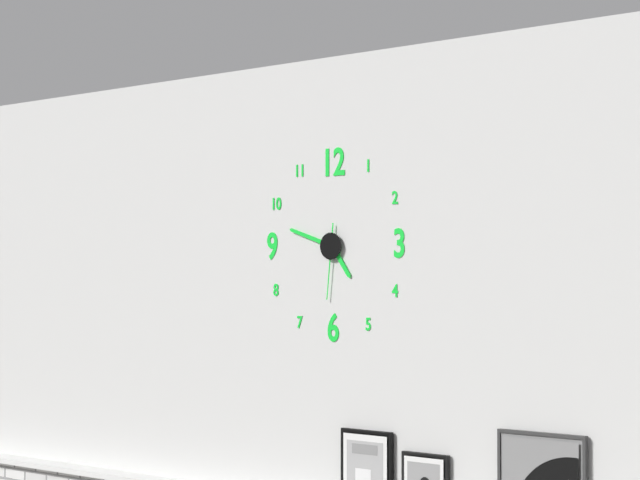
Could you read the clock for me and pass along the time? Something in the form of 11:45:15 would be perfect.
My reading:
4:48:31
